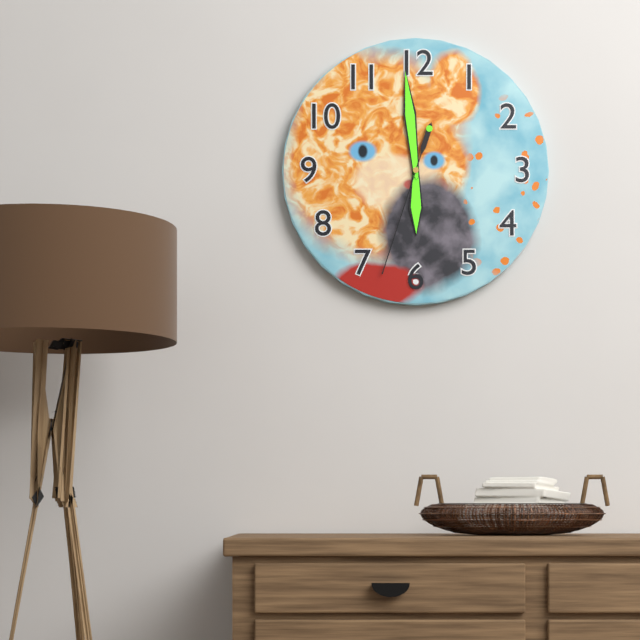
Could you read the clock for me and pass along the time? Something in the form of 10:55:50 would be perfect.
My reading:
5:59:33
